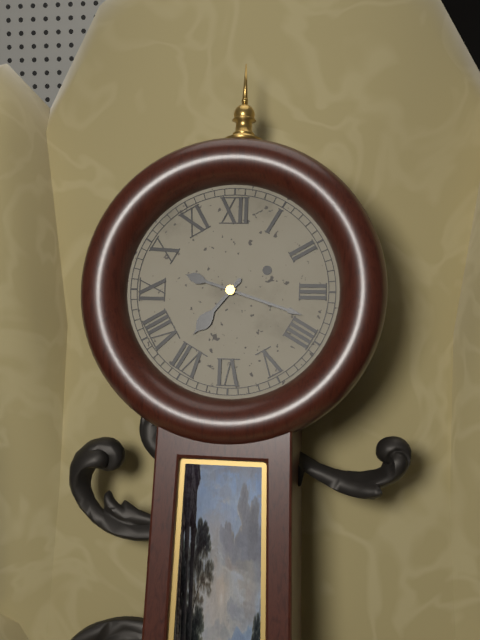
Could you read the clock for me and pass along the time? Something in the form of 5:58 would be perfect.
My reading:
7:18
